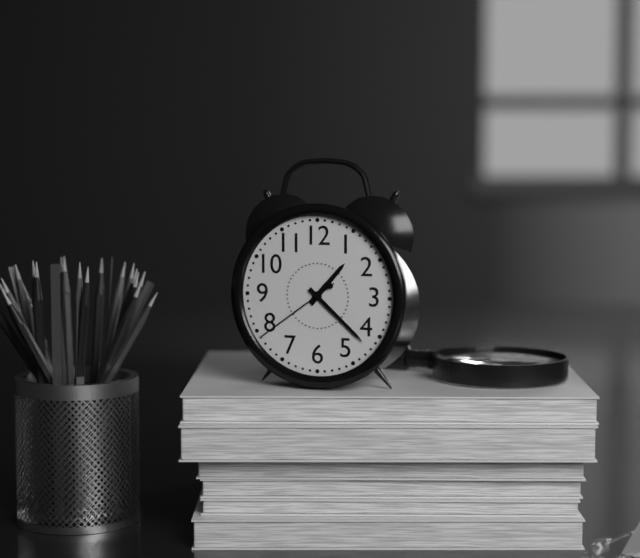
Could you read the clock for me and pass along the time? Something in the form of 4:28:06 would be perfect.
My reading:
1:22:39
